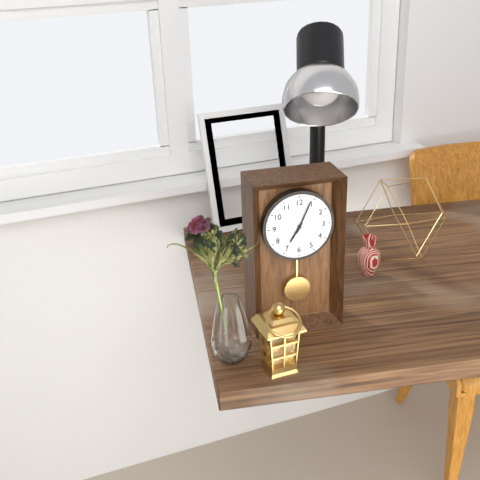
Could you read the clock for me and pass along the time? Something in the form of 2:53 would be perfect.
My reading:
7:04
